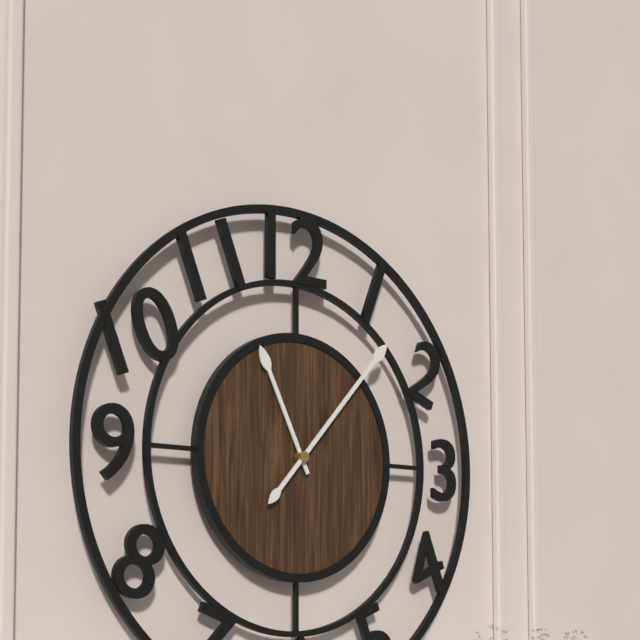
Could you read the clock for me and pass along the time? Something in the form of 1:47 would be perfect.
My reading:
11:07
